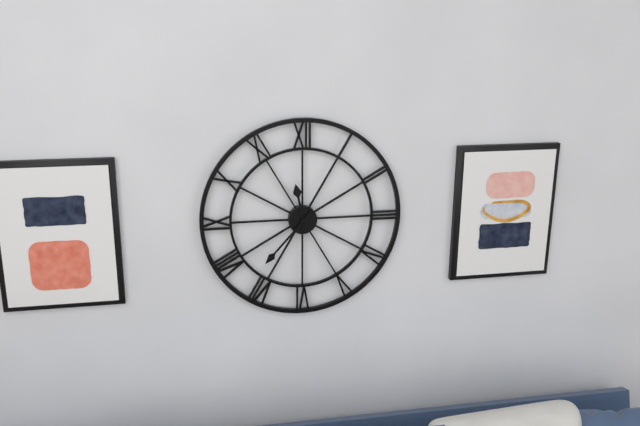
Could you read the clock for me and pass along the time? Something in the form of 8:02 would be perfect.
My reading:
11:37
